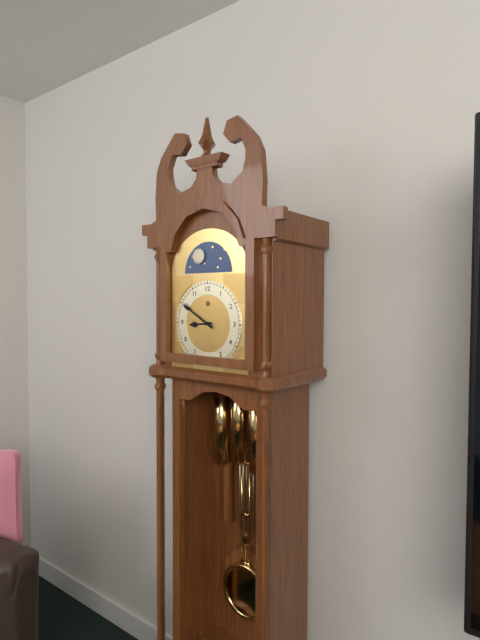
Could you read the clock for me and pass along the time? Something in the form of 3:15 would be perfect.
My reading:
8:50
